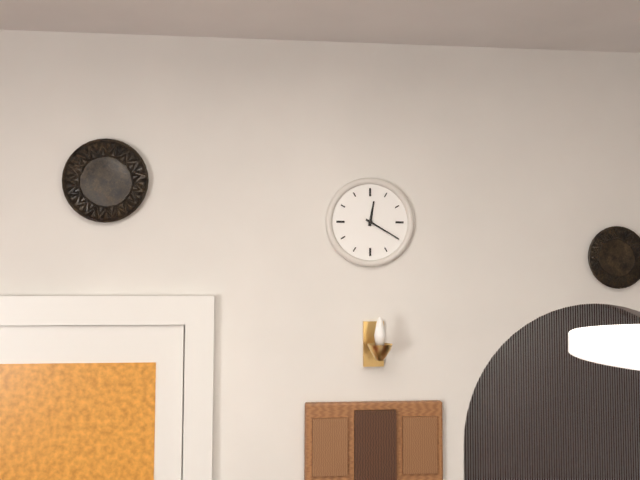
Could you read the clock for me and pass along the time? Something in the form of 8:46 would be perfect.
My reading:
12:20
